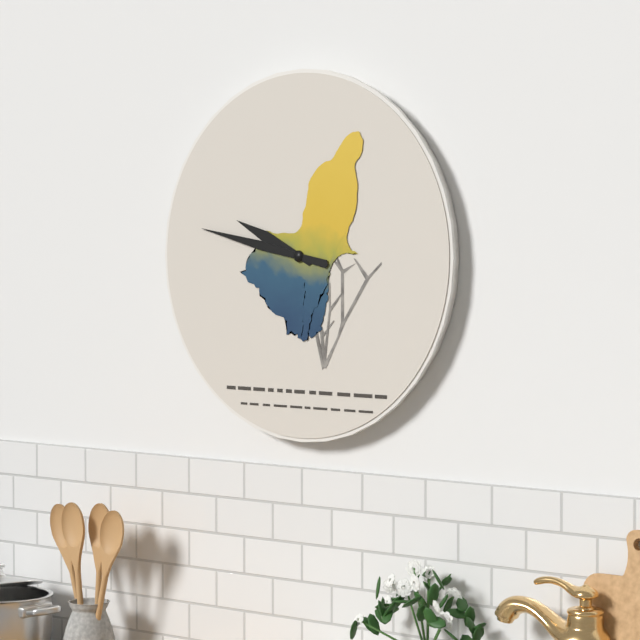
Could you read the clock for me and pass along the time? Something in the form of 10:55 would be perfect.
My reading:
9:47
